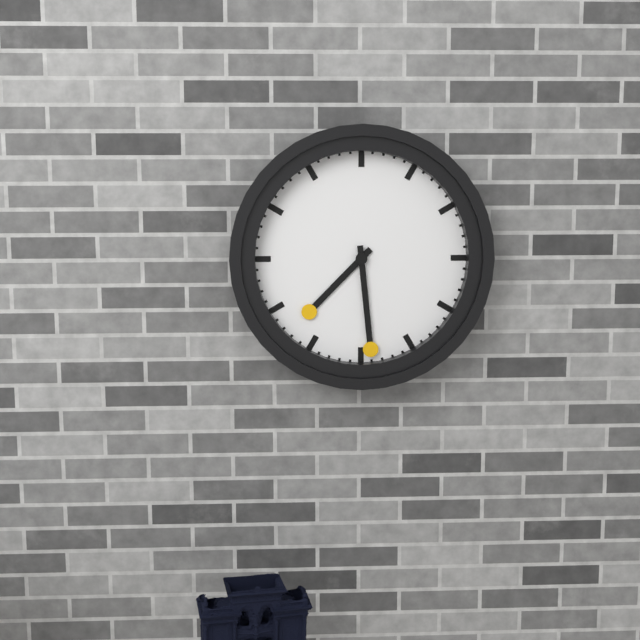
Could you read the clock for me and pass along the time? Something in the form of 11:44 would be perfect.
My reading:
7:29
